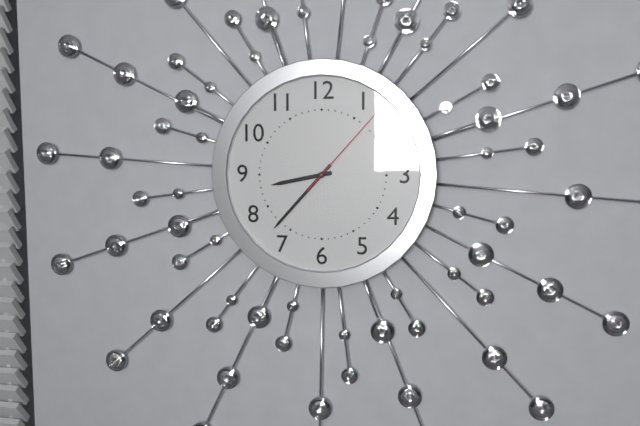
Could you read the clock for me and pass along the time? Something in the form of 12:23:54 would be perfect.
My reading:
8:37:07
